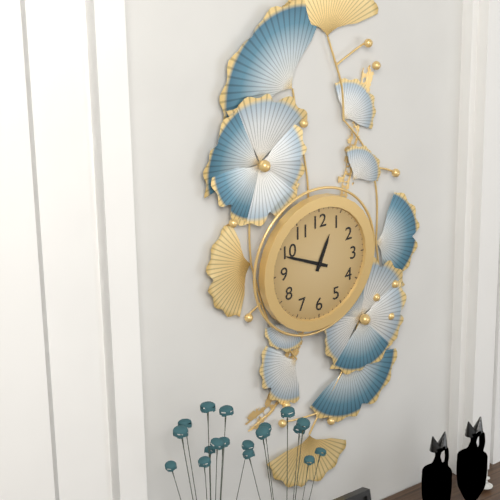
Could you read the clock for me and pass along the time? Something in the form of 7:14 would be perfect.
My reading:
12:49
